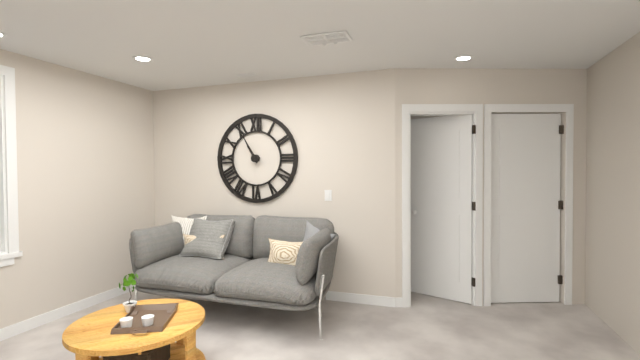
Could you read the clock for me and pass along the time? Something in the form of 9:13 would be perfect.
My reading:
10:55
